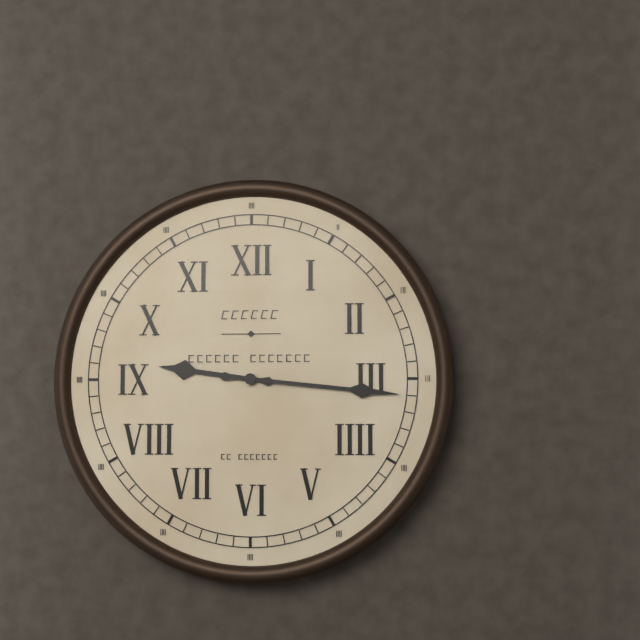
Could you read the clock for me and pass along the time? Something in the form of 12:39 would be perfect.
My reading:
9:16
